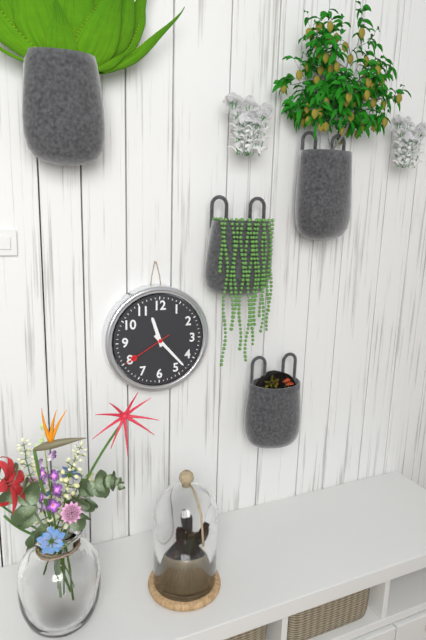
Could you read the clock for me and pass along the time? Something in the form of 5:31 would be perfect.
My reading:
11:23
